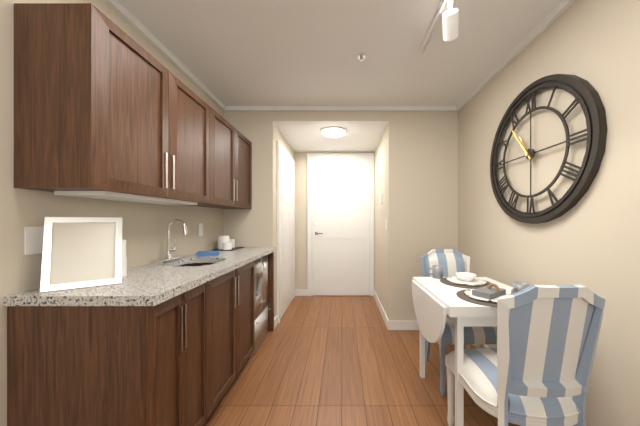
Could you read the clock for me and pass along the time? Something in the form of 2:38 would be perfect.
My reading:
10:54
